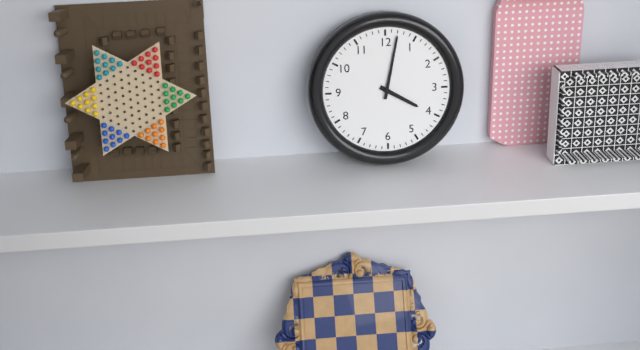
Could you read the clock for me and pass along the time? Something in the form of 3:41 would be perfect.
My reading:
4:02
